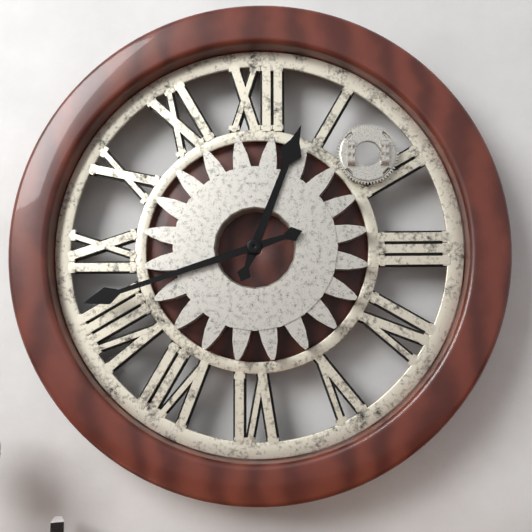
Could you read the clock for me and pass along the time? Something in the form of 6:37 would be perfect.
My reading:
12:42
